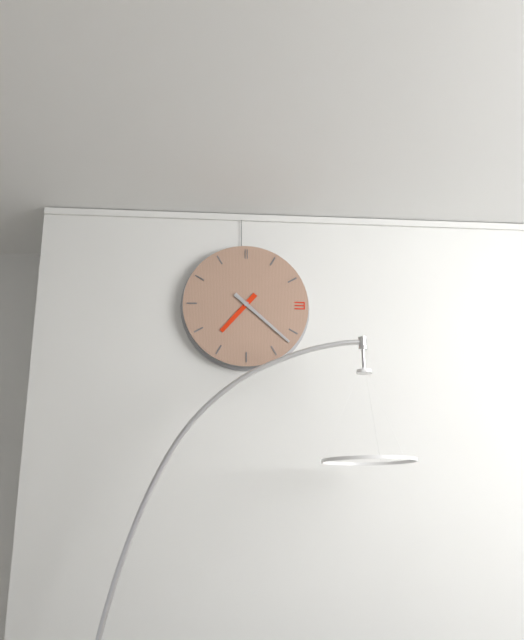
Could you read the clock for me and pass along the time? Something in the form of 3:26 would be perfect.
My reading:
7:22
